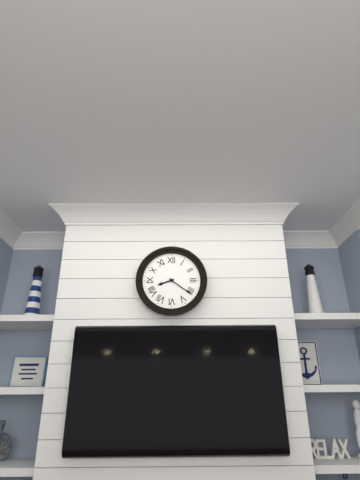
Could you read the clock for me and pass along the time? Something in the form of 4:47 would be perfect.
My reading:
8:21
